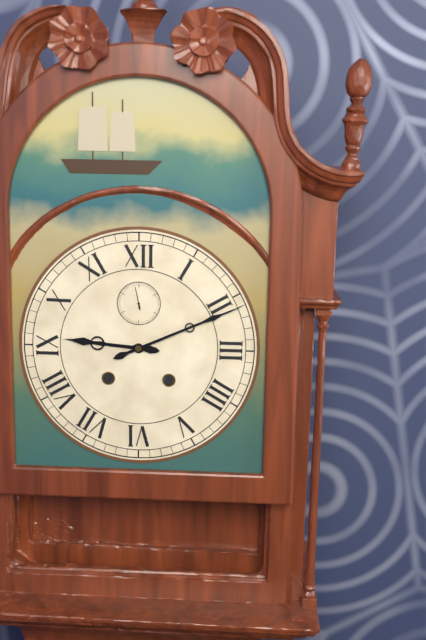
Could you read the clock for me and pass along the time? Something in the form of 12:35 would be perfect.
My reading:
9:11
